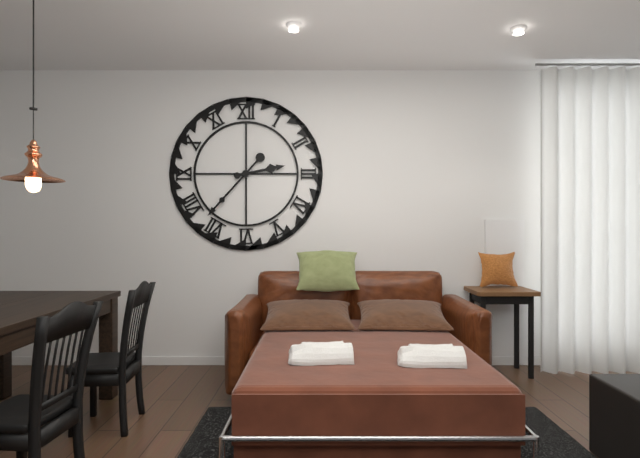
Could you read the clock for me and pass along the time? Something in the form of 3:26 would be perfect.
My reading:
2:37
